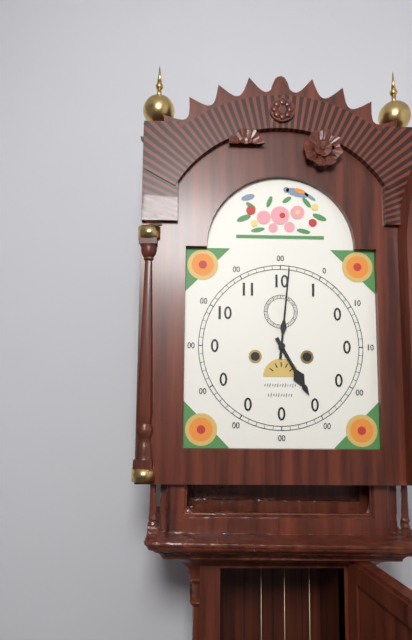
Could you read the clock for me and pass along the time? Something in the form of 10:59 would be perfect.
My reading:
5:01
